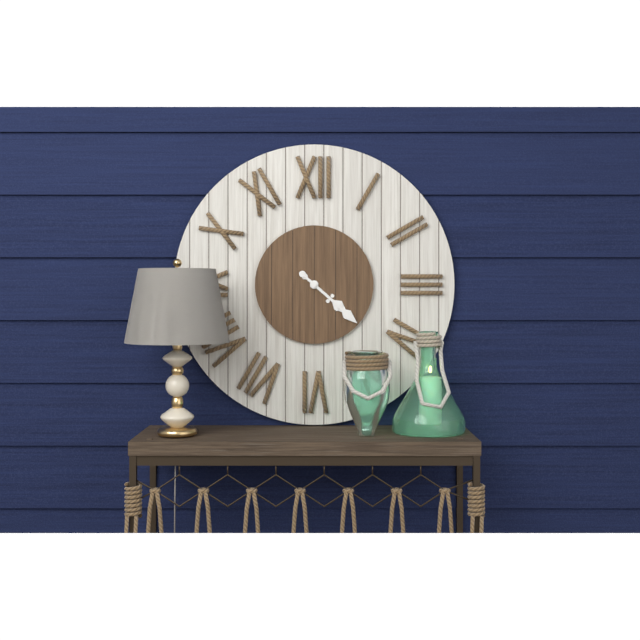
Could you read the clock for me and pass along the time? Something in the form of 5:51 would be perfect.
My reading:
4:22
